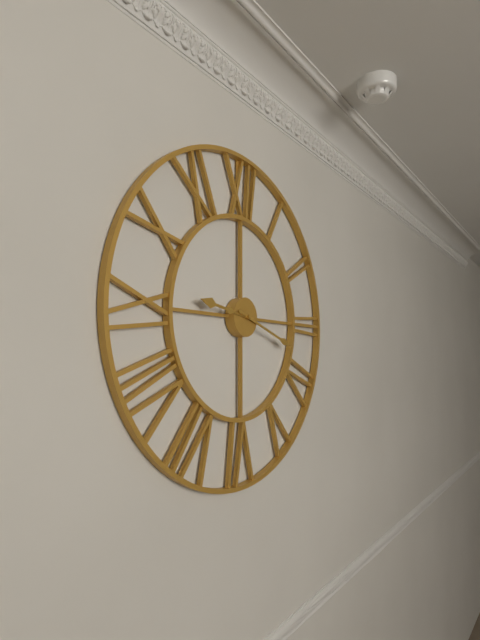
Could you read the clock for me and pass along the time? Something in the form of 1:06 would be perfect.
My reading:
9:18
